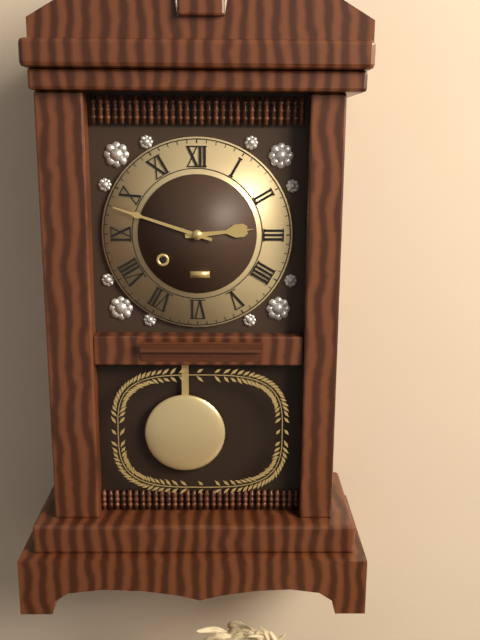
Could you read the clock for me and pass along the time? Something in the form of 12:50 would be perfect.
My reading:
2:48
